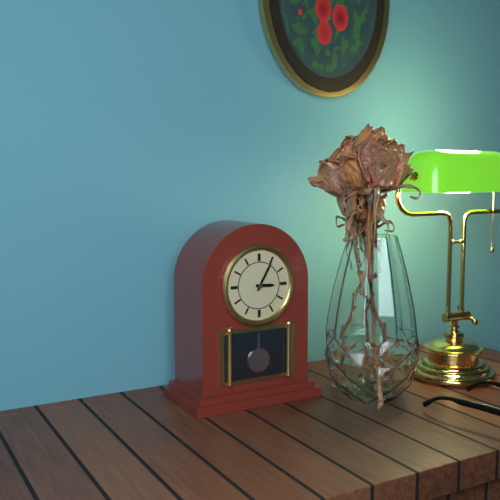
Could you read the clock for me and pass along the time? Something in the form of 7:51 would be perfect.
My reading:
3:05
